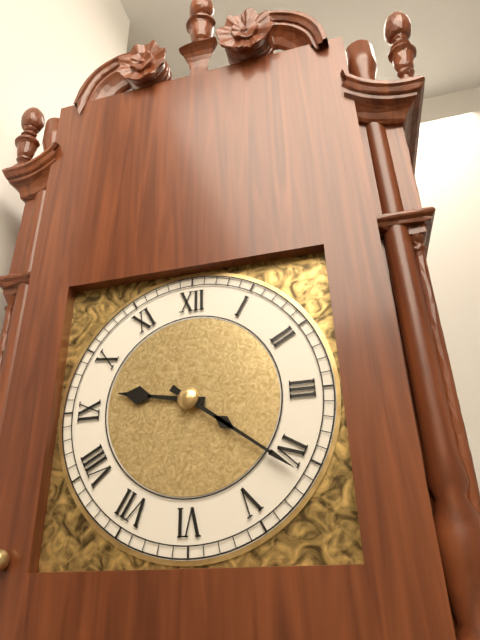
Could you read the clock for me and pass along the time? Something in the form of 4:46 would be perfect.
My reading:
9:21
